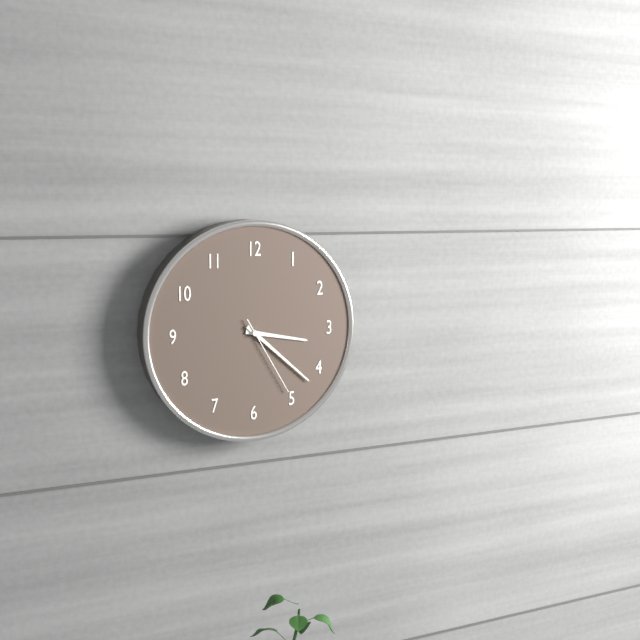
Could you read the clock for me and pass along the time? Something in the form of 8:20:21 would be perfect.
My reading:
3:22:25
